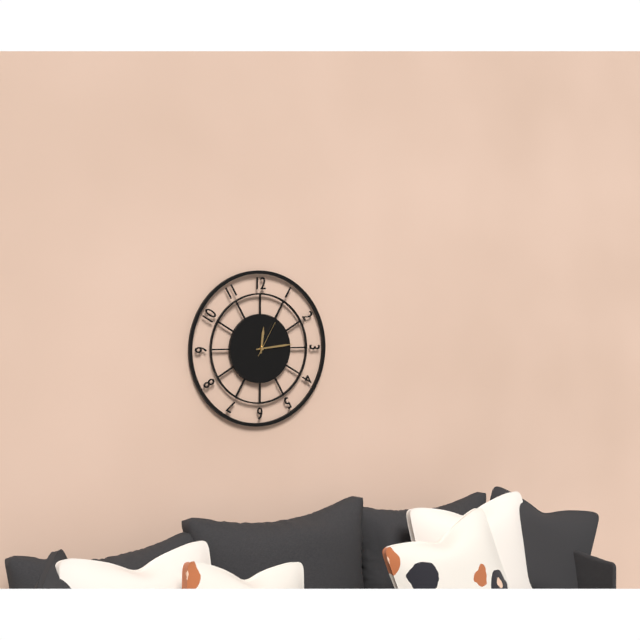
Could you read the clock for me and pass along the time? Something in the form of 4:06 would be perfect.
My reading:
12:14
